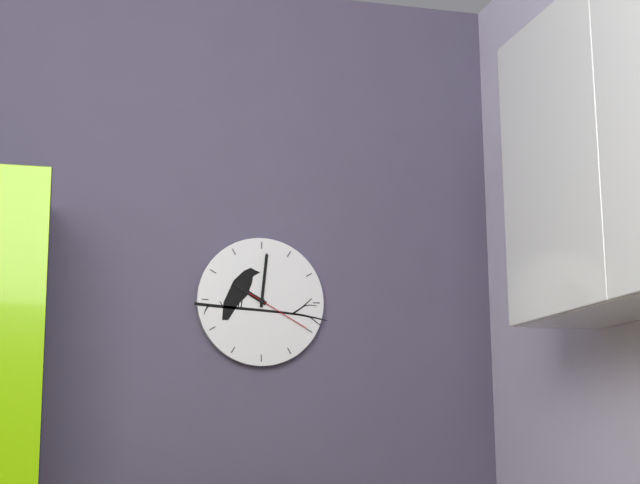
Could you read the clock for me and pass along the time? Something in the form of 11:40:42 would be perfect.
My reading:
10:01:20
